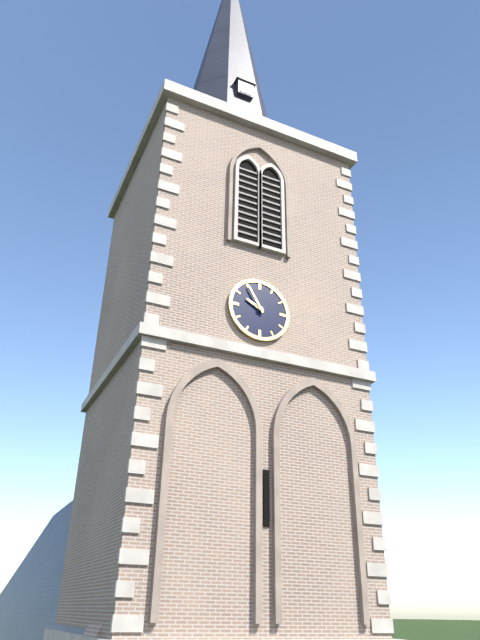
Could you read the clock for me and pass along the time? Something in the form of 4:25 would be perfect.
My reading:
9:55
